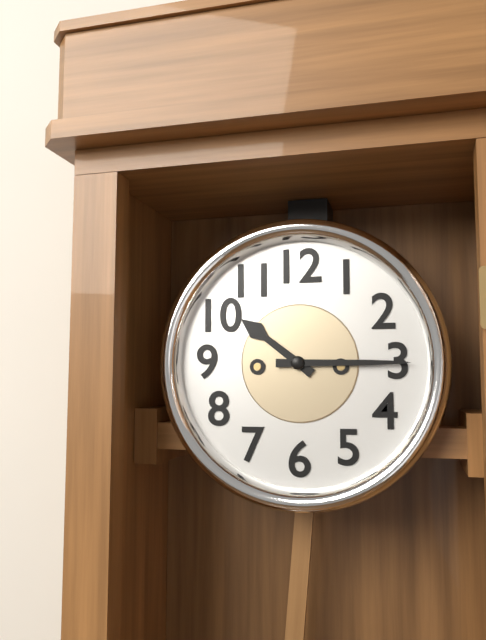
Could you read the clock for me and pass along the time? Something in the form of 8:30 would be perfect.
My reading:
10:15
